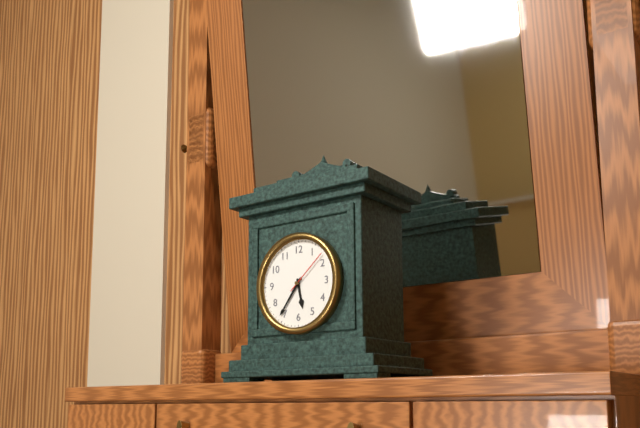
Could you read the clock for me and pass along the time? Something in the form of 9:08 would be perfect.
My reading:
5:36
